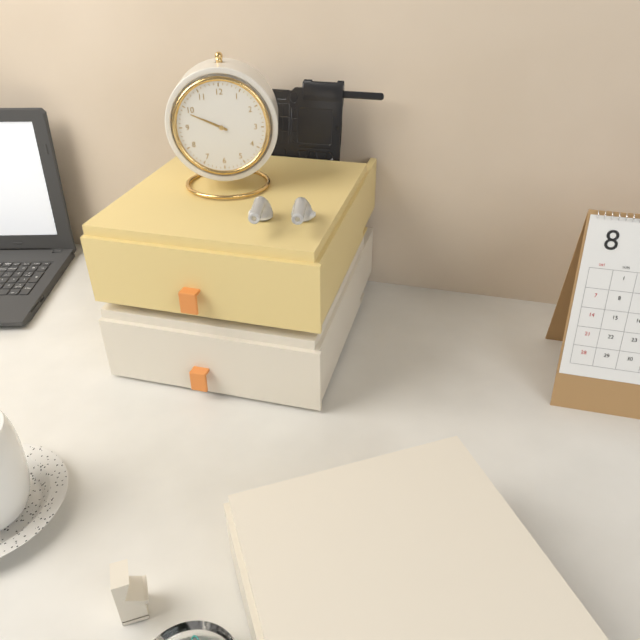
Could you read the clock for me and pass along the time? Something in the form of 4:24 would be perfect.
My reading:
9:49
